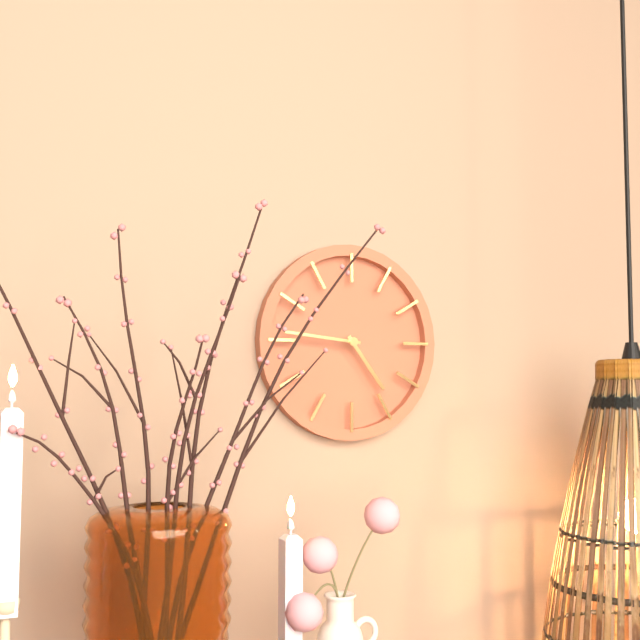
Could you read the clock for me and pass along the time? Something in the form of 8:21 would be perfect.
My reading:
4:46
